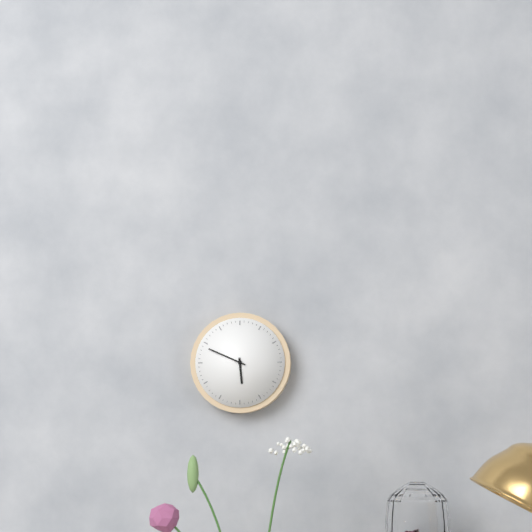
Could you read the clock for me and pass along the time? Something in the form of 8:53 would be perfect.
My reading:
5:49
